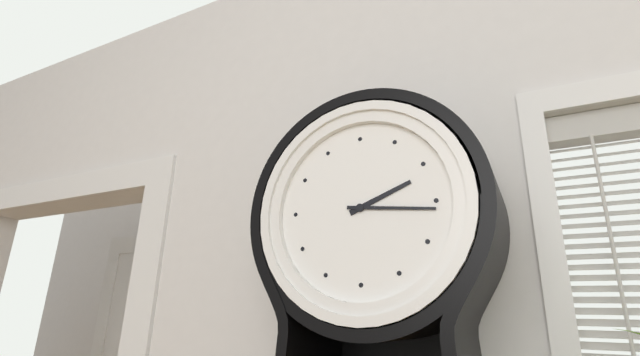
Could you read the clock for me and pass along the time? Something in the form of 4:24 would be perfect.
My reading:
2:16
